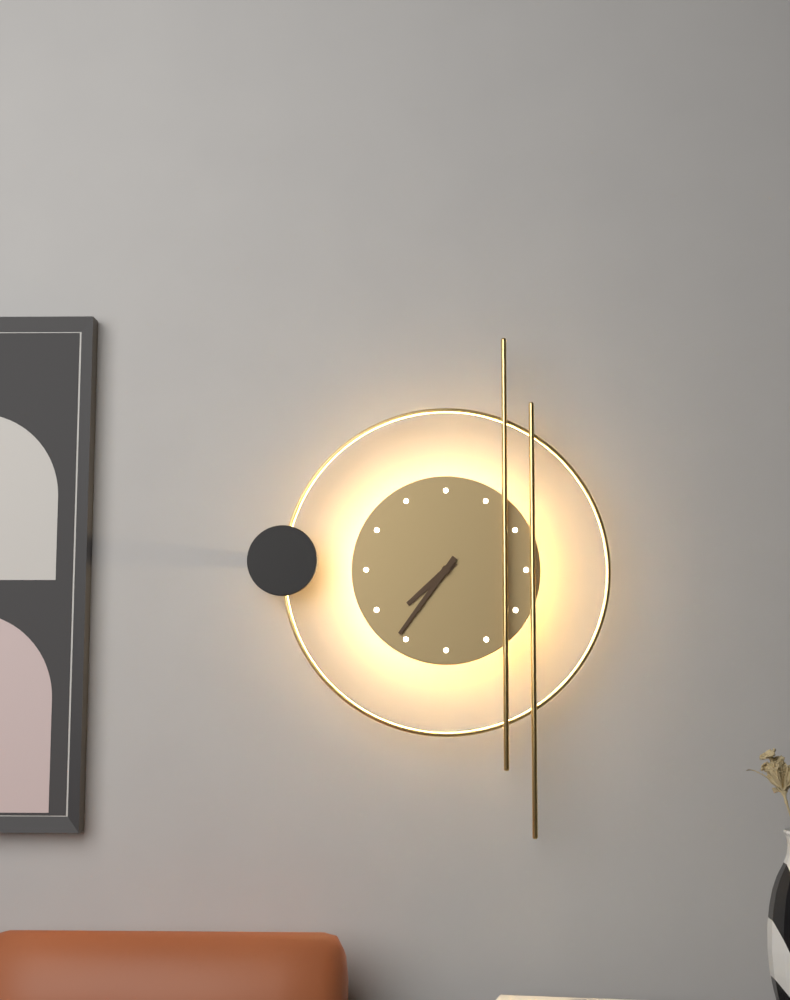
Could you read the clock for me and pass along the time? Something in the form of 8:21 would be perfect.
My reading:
7:36
